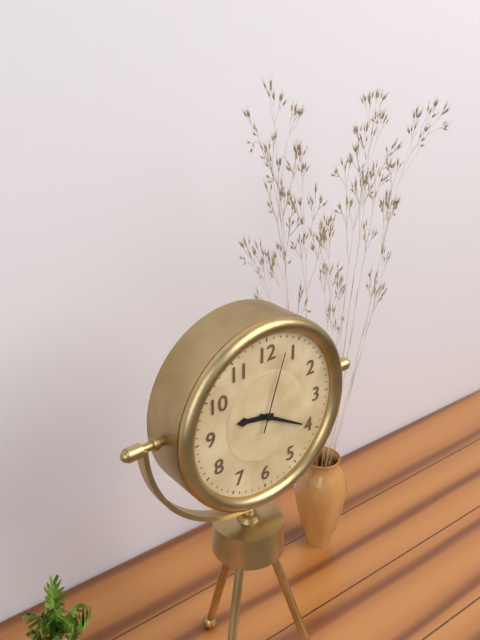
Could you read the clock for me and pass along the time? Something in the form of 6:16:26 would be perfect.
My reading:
9:20:03
